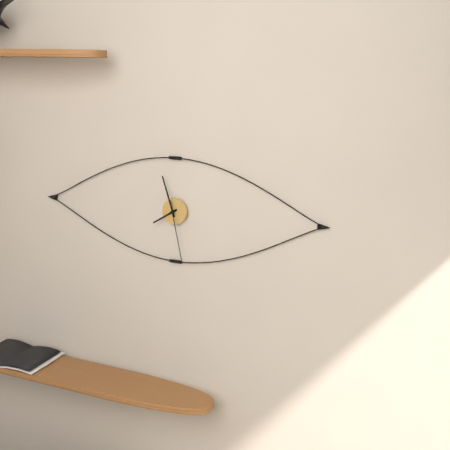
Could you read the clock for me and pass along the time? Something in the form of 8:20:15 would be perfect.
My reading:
7:57:28
